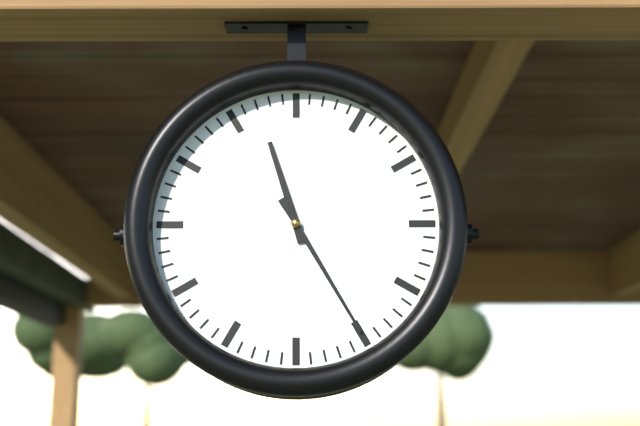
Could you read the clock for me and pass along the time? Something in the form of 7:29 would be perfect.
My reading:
11:25
